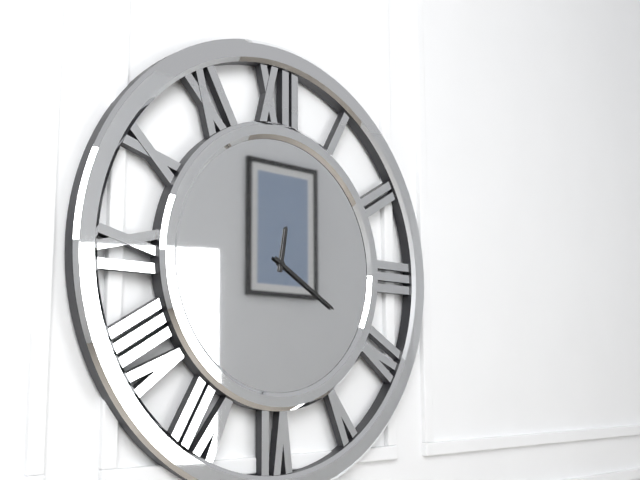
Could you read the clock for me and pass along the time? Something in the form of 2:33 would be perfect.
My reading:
12:20
